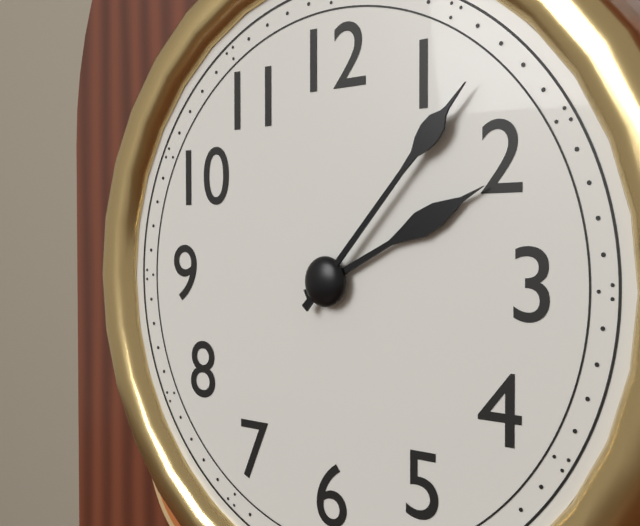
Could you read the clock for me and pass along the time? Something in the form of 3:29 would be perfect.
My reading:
2:07
